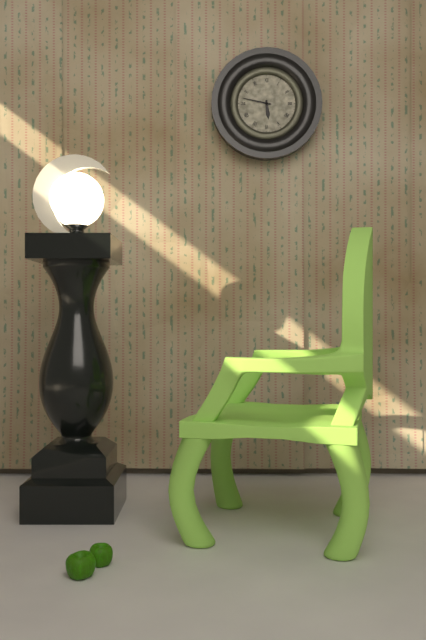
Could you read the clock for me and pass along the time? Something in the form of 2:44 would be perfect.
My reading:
5:47
